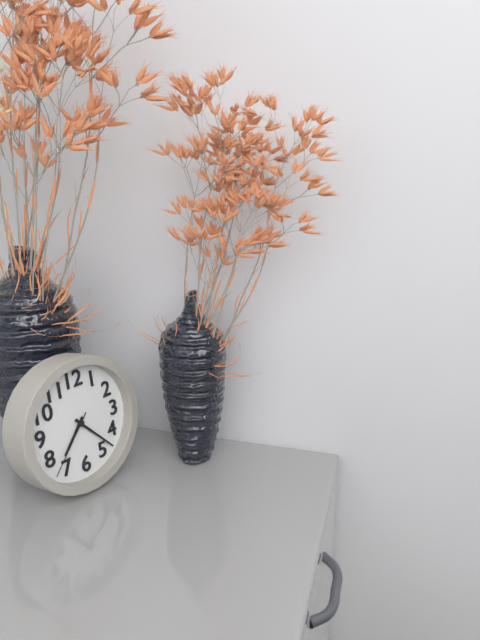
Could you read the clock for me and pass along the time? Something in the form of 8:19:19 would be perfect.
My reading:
7:23:37
